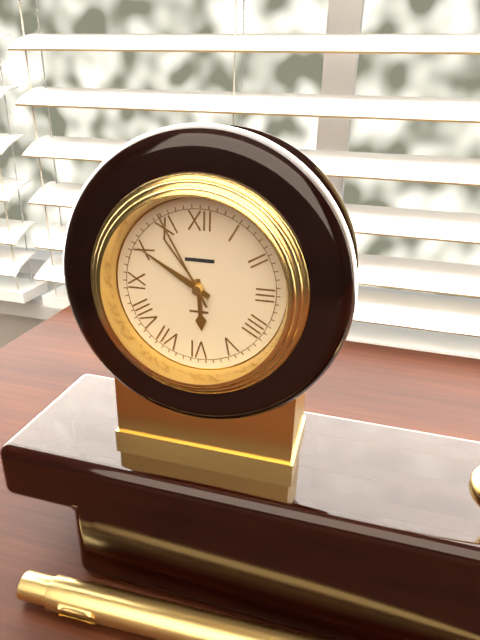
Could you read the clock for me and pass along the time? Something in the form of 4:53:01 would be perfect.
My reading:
5:50:55
